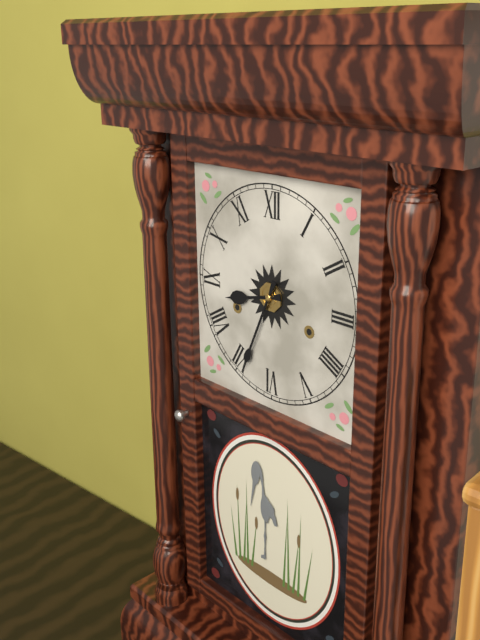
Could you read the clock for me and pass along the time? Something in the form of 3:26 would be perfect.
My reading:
8:34
